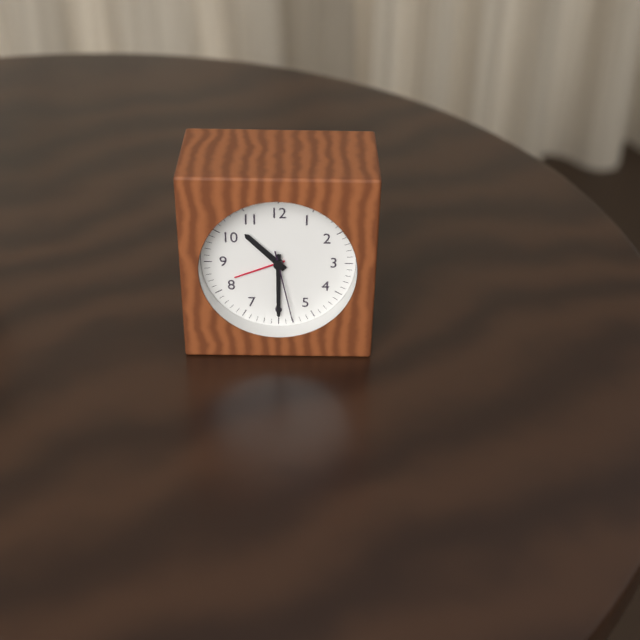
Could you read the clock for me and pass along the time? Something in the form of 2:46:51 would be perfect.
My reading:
10:30:28
